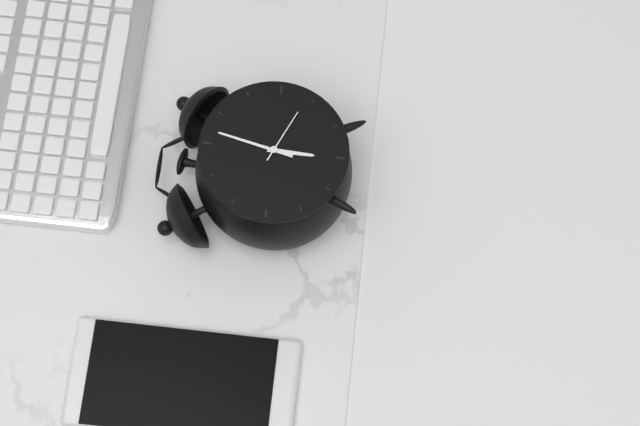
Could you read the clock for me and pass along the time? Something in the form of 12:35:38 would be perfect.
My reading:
6:02:19
